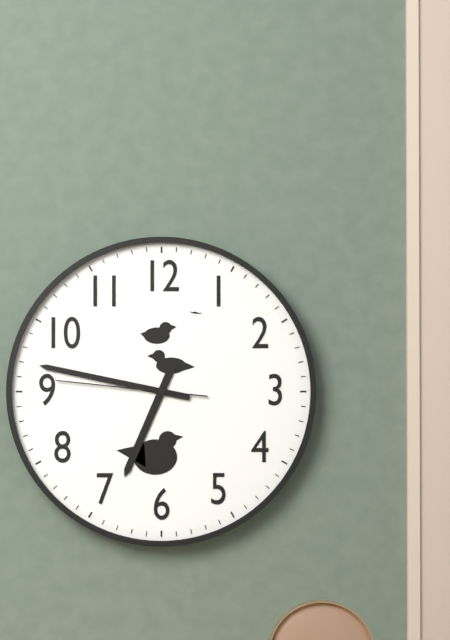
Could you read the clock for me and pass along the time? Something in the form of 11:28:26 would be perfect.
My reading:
6:47:46
